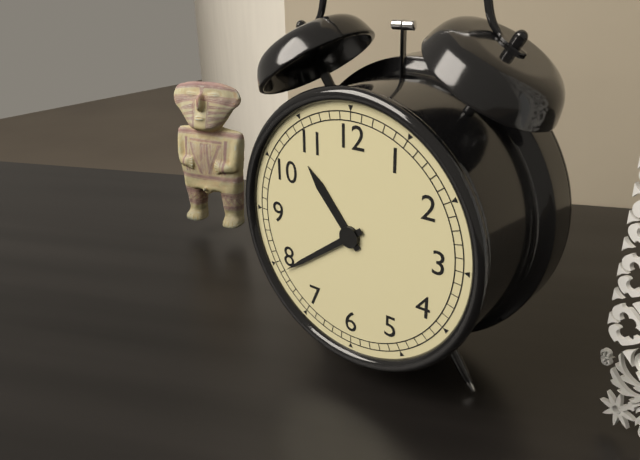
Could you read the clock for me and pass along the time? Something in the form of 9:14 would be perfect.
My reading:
10:39
